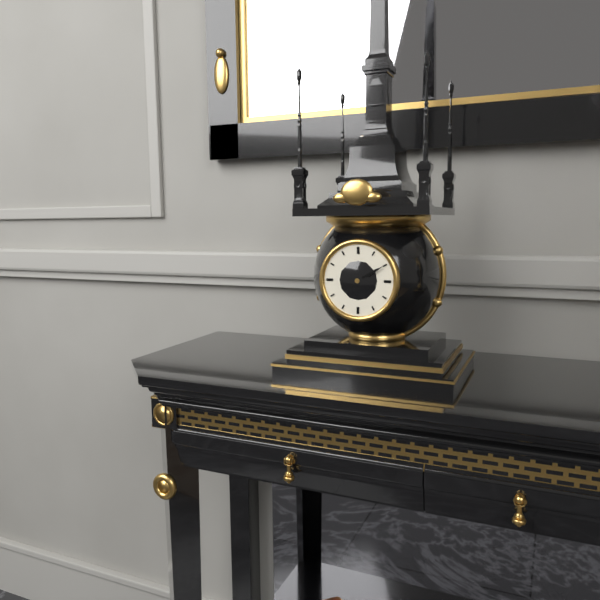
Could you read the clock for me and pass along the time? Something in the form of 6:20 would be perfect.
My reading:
2:10
